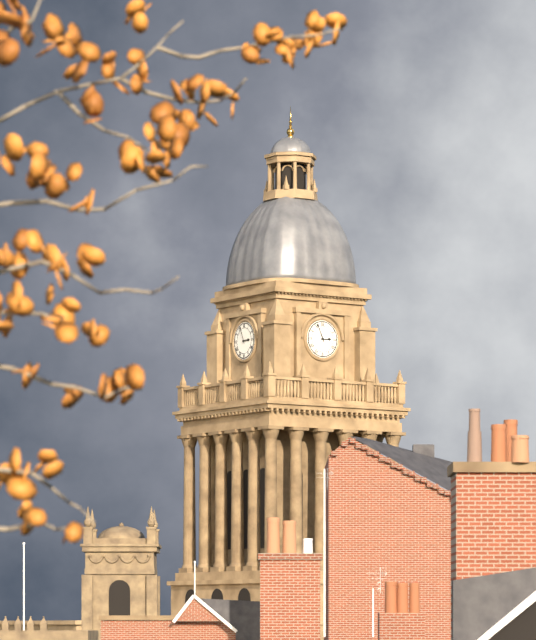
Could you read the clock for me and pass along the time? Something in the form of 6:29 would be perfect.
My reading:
2:56
